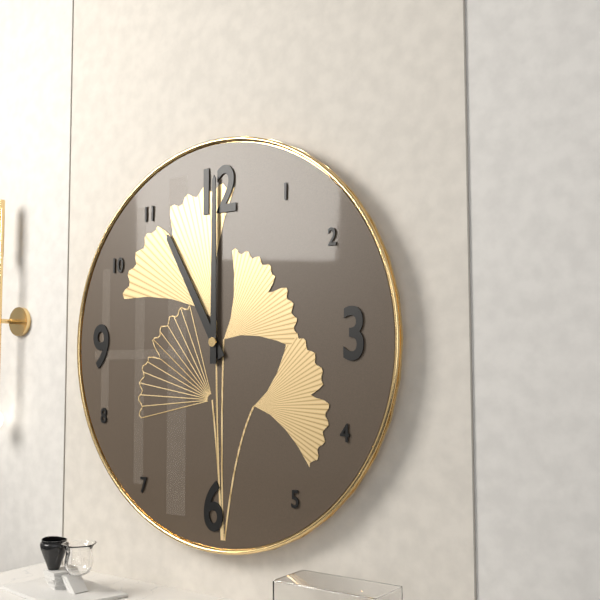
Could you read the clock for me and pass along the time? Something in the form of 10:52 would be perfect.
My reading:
11:00
